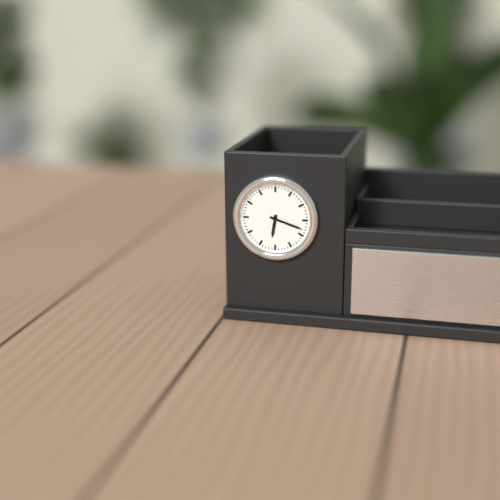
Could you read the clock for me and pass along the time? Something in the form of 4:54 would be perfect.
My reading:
6:18
